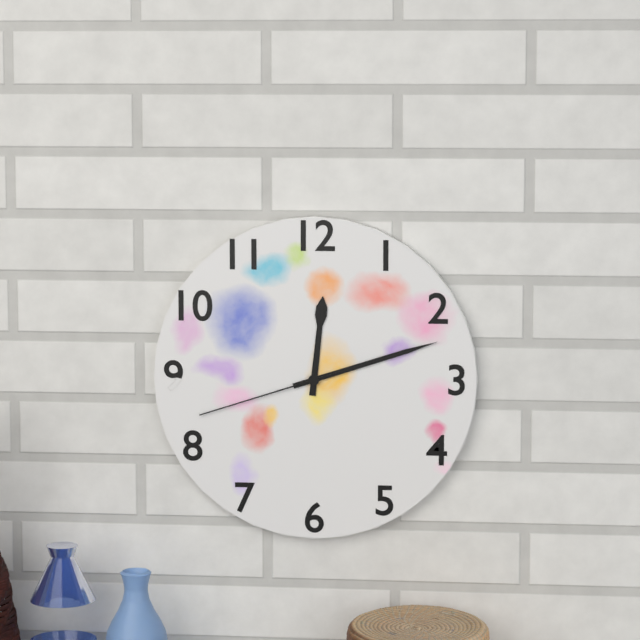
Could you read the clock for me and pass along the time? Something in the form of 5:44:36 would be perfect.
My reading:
12:12:42
